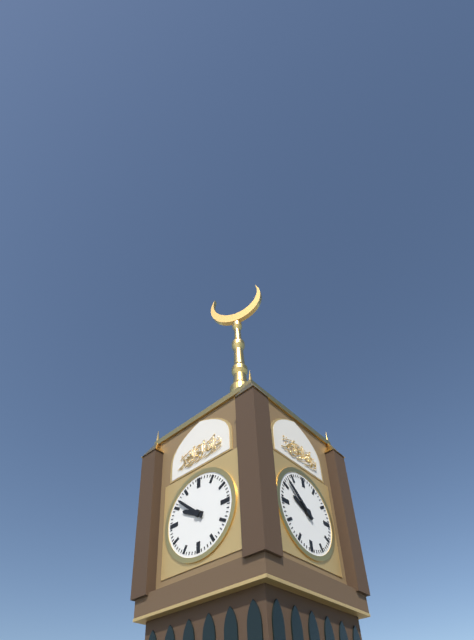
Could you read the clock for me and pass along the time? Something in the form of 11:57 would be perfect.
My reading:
9:52
